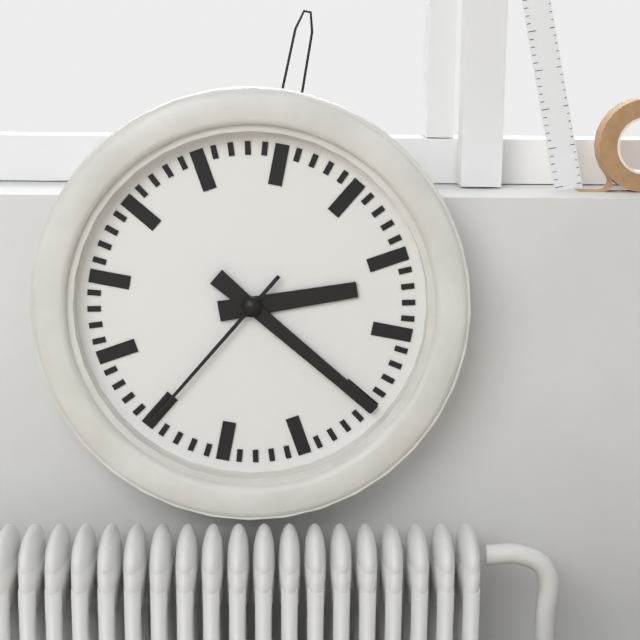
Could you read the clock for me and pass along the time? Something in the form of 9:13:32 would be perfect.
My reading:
2:20:35
